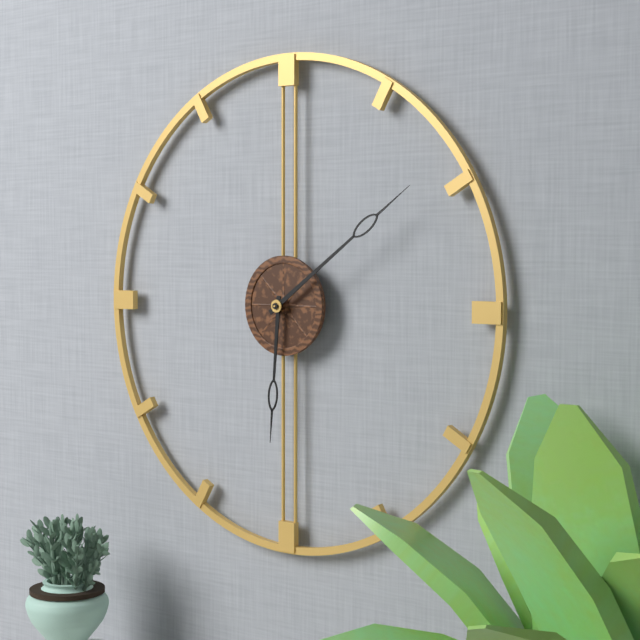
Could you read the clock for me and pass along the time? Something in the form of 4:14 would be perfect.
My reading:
6:09
